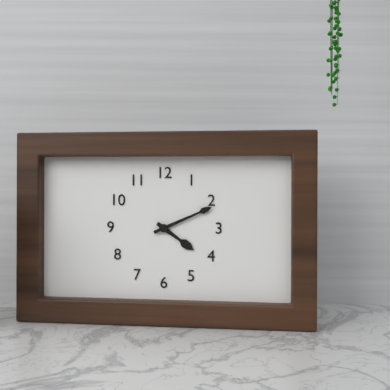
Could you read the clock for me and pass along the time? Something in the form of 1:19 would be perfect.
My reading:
4:11
